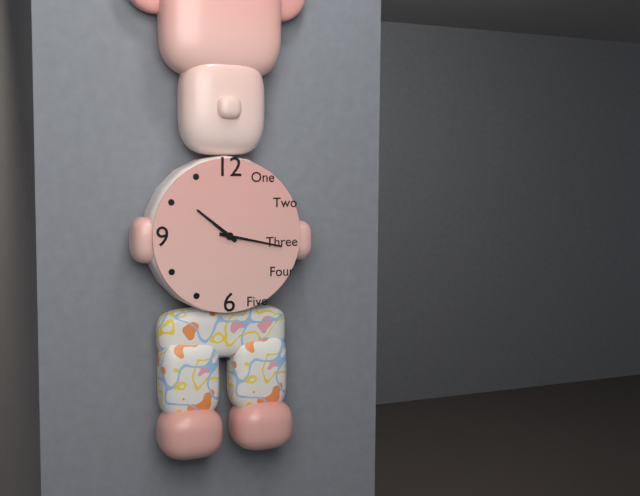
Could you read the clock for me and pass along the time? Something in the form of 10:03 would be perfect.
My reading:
10:17
